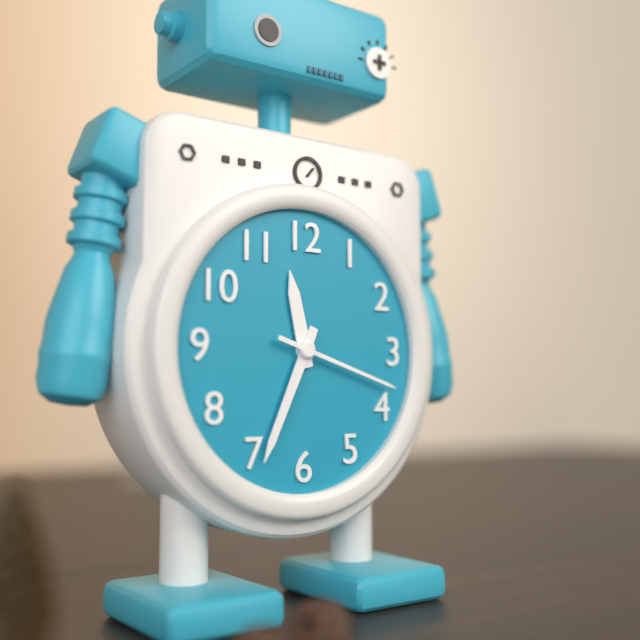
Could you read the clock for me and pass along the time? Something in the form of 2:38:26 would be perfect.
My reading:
11:34:18
